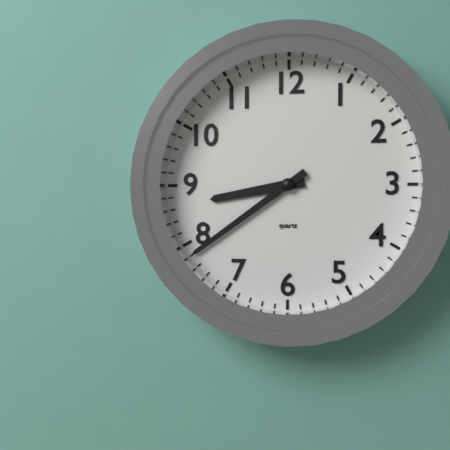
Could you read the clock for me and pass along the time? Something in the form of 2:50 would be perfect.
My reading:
8:39
